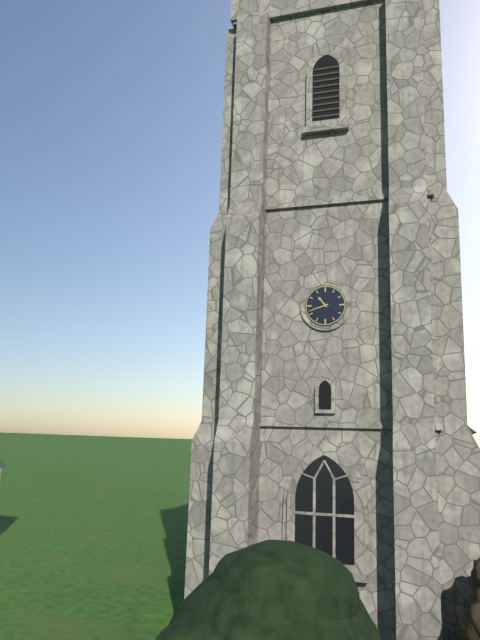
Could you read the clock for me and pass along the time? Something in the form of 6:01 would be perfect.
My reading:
10:42
